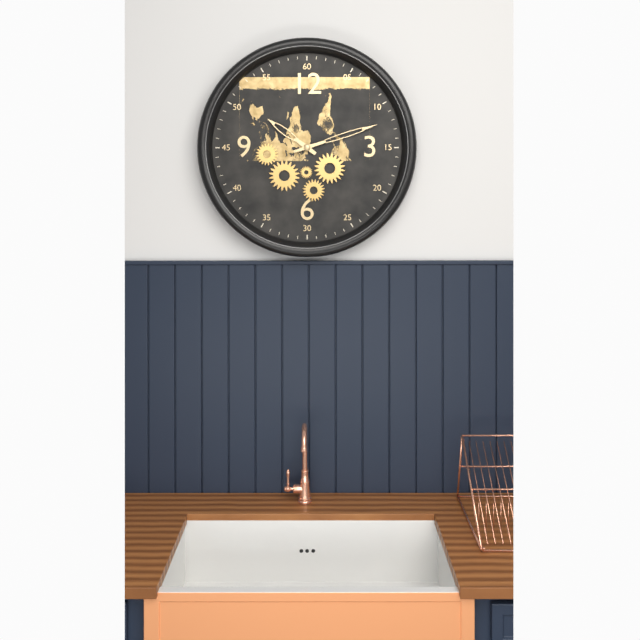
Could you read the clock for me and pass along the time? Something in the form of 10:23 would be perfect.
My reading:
10:12
